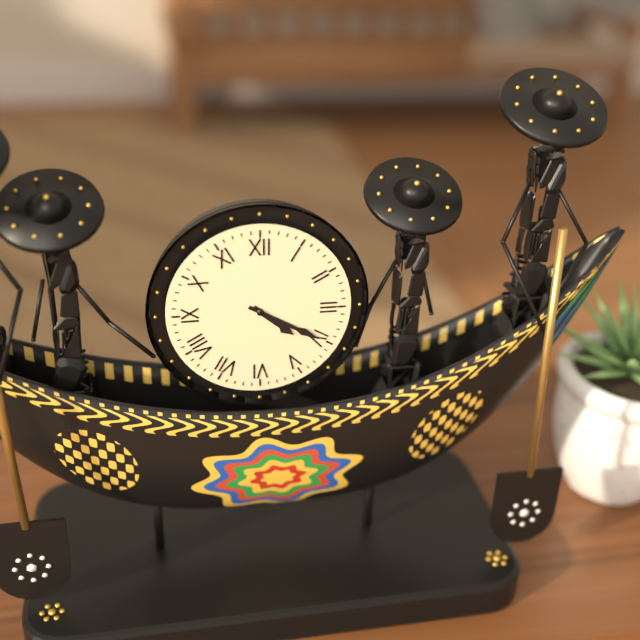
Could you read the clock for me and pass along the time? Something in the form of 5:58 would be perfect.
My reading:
4:20
